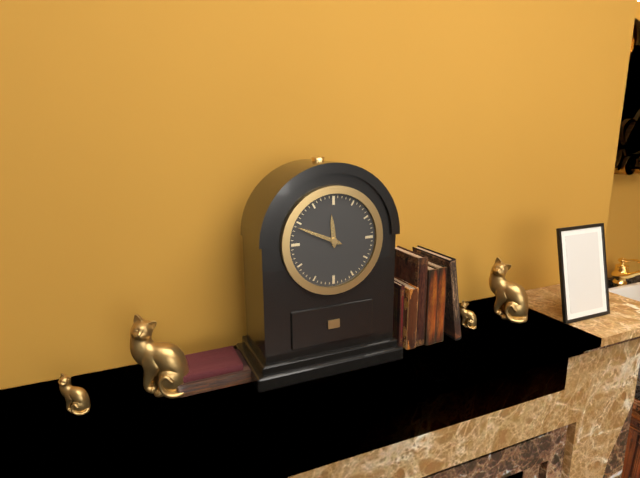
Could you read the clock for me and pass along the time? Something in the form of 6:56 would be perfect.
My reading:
11:49
